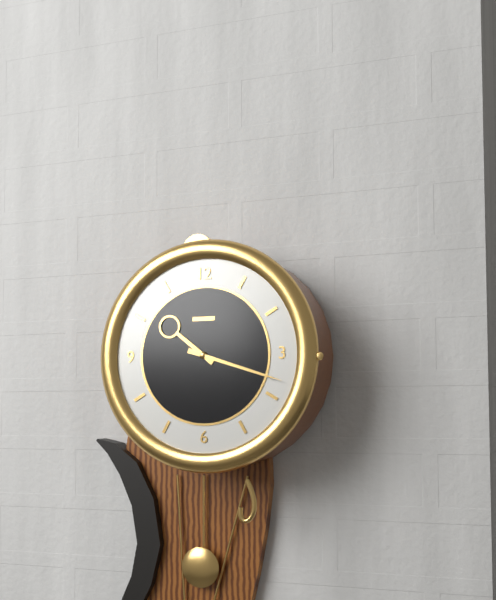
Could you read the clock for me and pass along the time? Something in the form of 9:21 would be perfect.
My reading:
10:18
